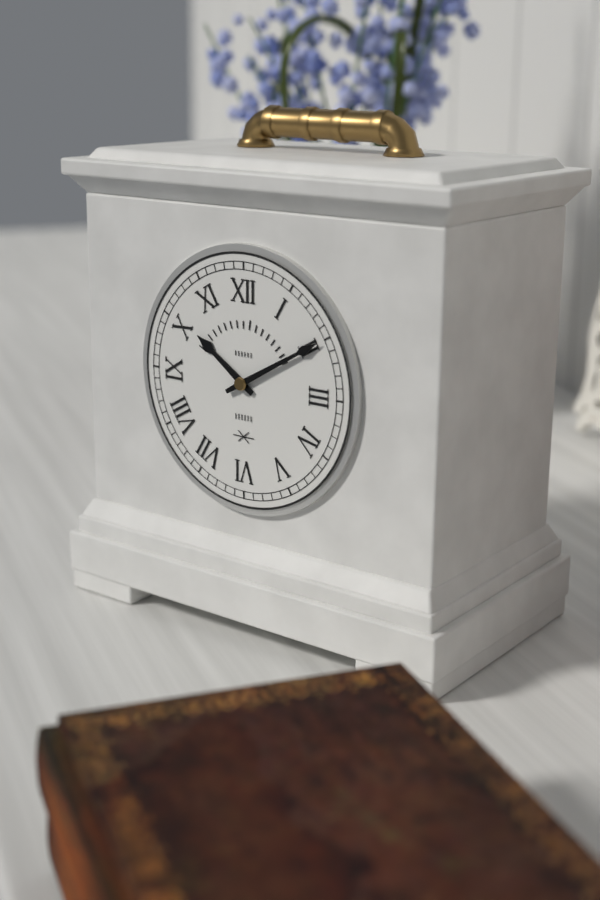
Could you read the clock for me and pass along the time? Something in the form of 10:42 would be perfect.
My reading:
10:10
